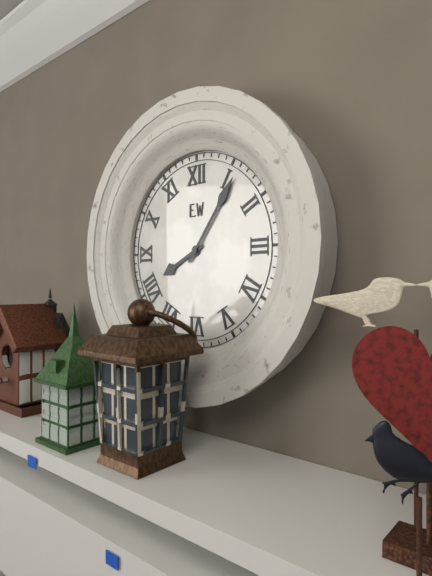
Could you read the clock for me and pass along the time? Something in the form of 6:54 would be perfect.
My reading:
8:06
